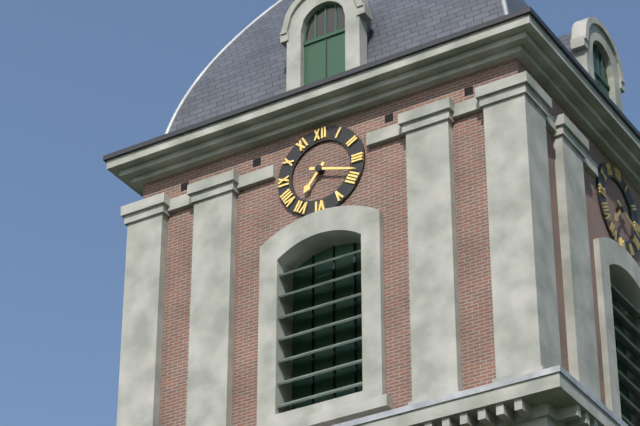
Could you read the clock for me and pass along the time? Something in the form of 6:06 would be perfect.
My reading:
7:18
